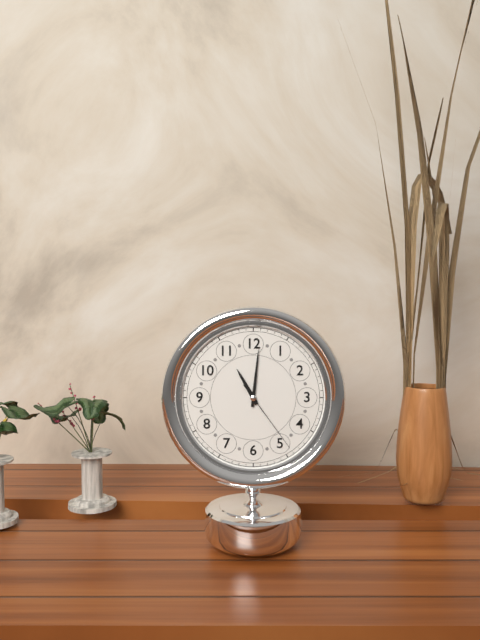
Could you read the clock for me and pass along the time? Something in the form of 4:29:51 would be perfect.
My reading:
11:01:24
